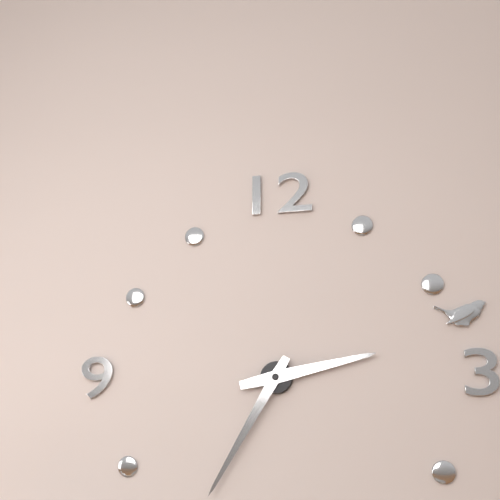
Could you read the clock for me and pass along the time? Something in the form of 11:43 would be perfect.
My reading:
2:35
